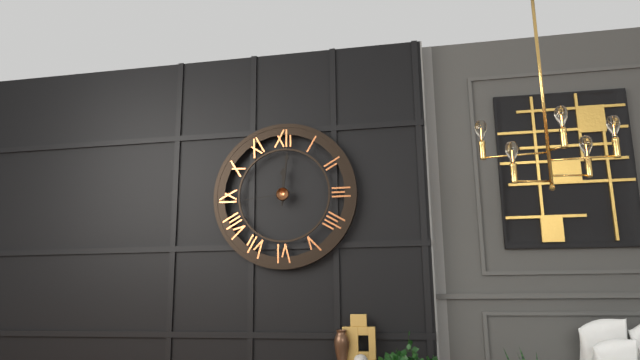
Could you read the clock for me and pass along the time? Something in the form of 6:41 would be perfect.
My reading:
12:01
